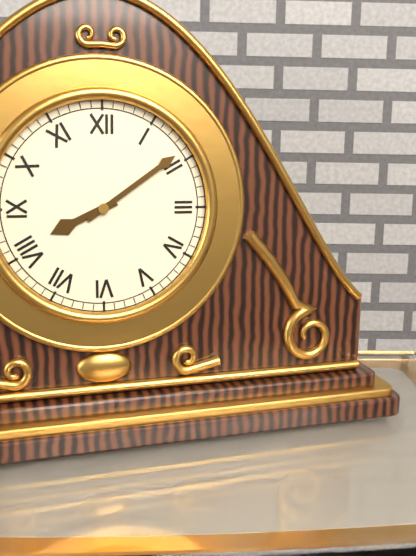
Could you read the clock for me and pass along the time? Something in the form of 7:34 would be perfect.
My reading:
8:09
